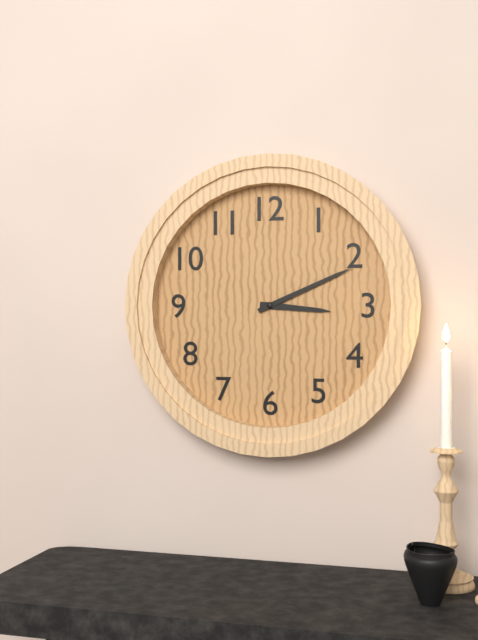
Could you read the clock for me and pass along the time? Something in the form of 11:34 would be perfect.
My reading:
3:11
